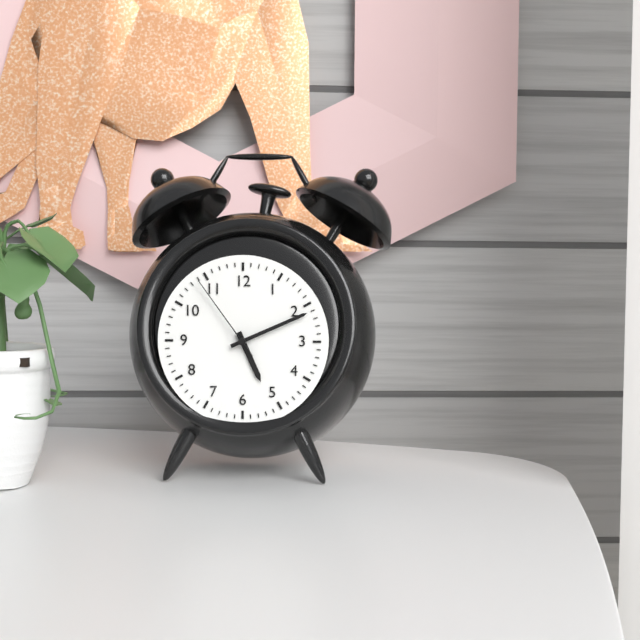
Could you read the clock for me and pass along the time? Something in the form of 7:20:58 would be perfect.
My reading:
5:11:54
